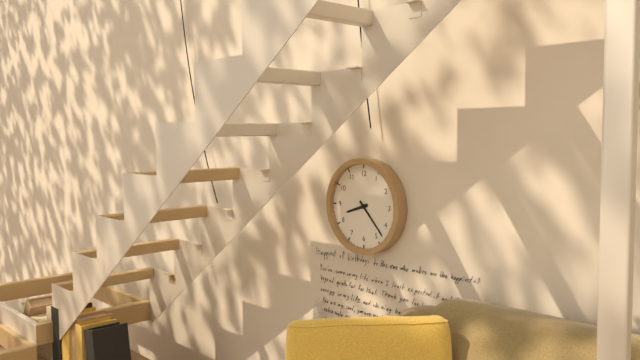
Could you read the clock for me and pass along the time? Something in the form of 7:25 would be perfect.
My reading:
8:23
